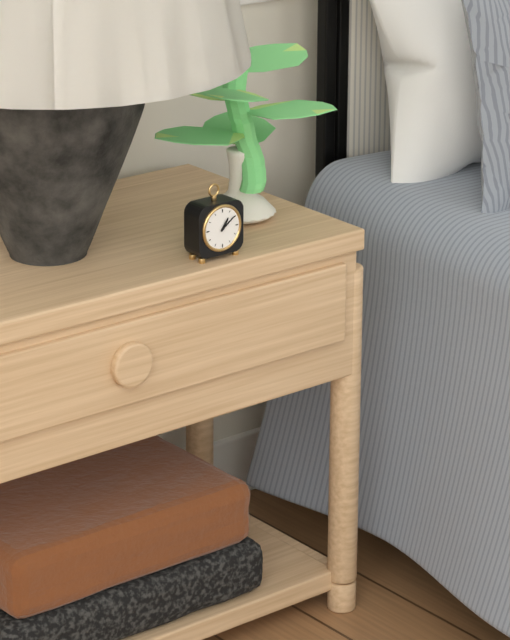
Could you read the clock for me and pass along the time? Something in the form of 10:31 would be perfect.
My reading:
1:09
